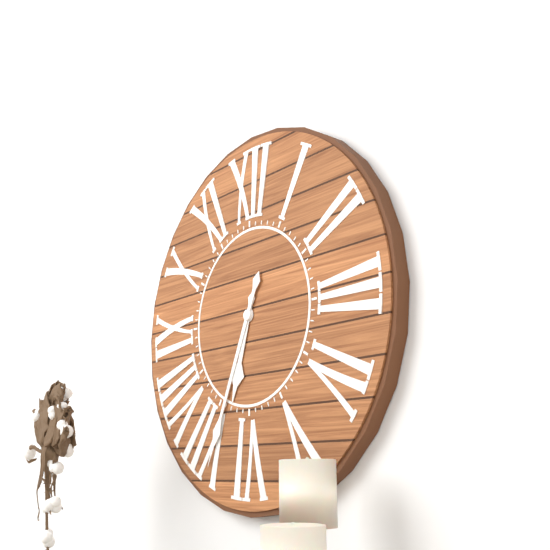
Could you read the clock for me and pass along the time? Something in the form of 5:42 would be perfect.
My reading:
6:34
